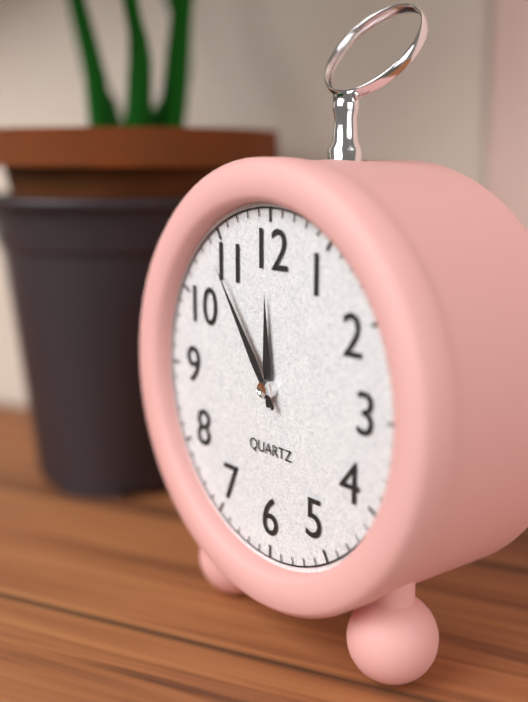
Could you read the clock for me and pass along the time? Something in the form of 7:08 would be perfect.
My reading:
11:54
